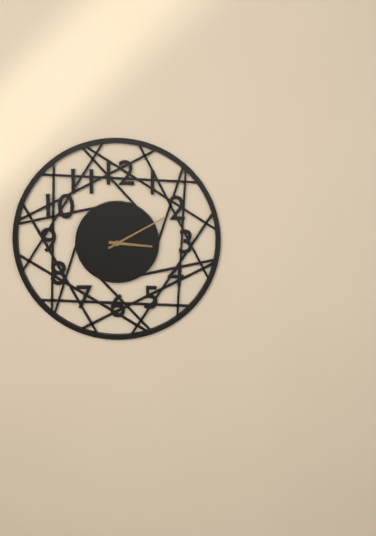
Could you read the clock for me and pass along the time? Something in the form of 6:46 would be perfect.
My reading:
3:10
